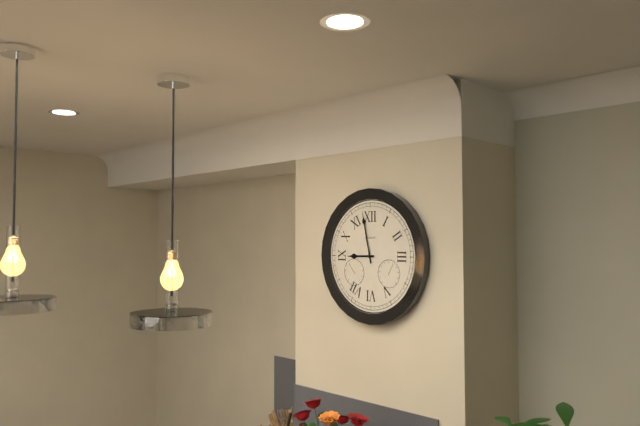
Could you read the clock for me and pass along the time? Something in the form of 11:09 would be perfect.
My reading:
8:58
